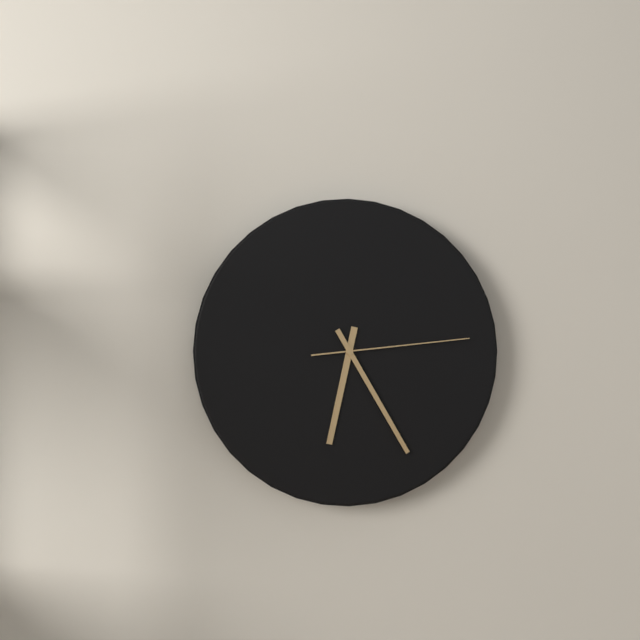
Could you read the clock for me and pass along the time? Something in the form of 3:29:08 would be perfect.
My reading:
6:25:14
